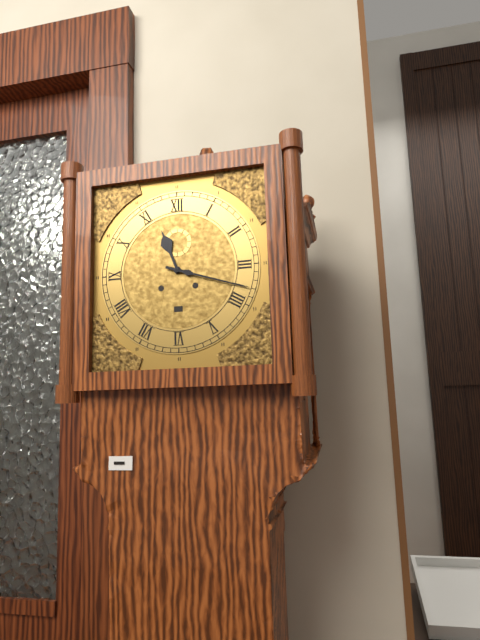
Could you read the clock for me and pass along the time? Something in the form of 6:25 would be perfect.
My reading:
11:18
